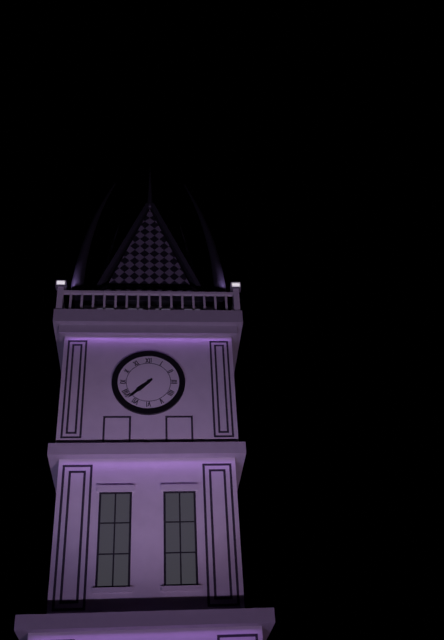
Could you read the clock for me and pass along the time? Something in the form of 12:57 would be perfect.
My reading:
7:38
